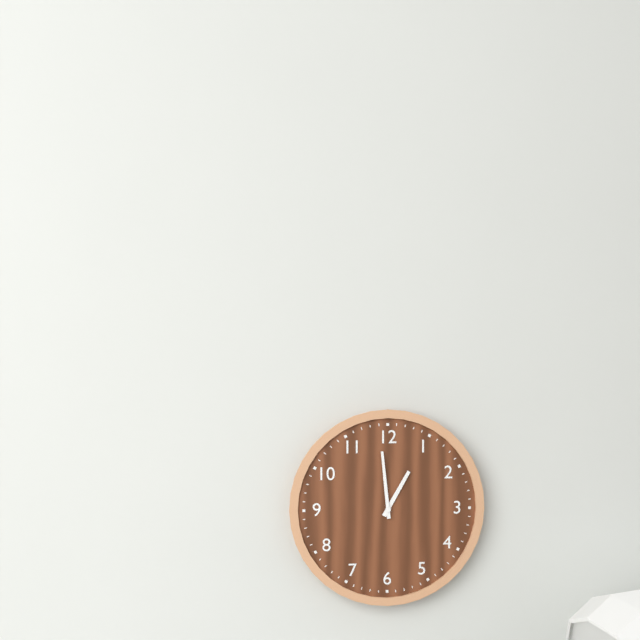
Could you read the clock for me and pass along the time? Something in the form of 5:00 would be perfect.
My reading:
12:59
